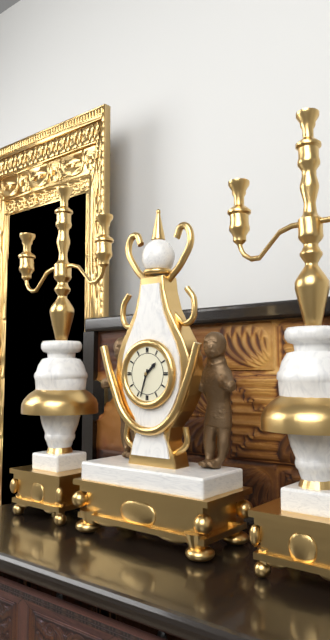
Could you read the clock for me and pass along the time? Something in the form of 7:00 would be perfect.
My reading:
1:33
